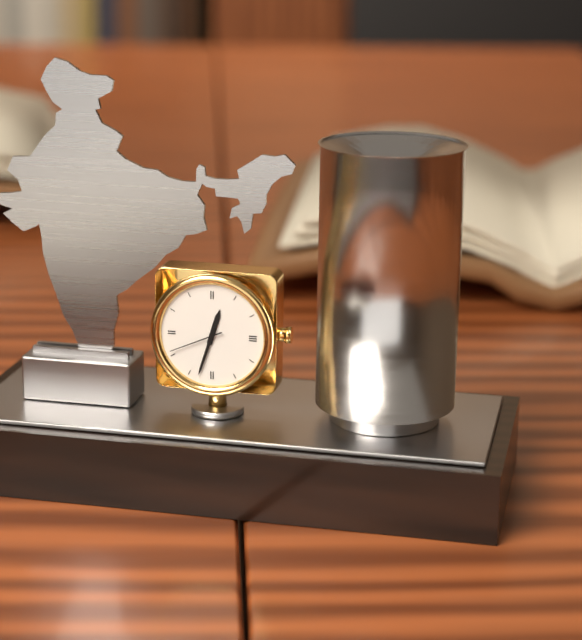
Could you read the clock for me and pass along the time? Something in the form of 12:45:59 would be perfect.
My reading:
12:33:41
